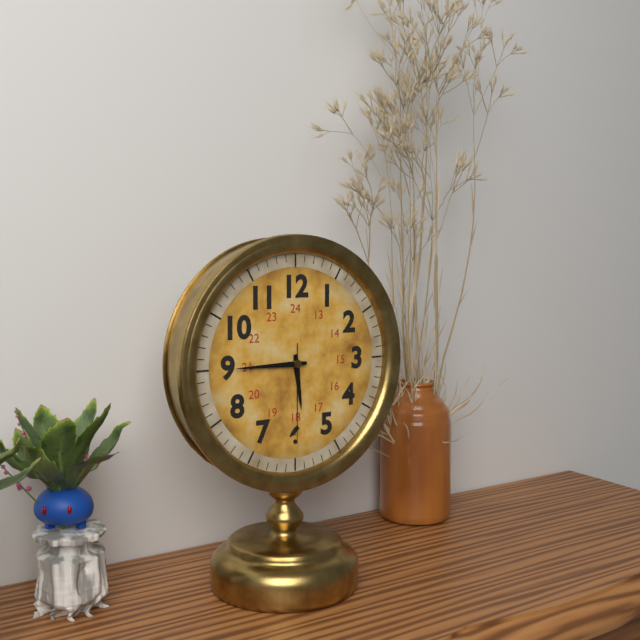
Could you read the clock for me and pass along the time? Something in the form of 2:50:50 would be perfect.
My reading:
5:45:30
